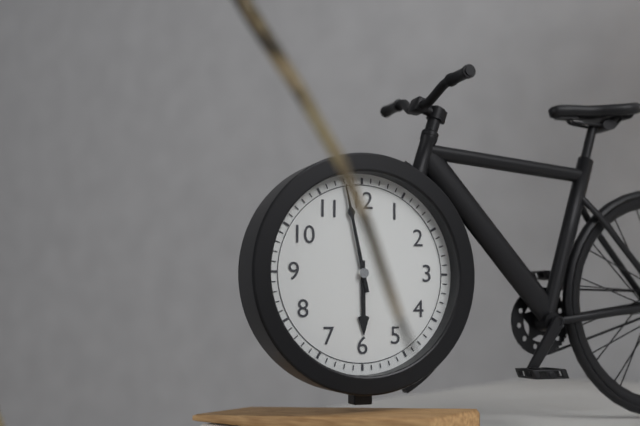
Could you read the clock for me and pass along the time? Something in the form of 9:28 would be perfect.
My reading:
5:58
